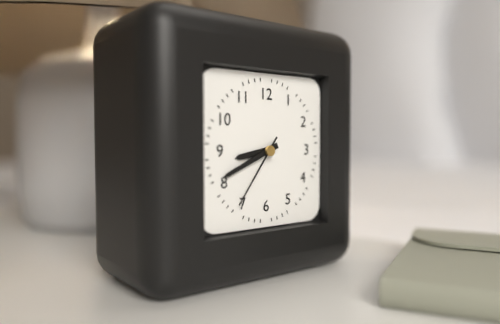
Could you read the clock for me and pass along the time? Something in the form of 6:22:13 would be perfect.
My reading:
8:41:36
